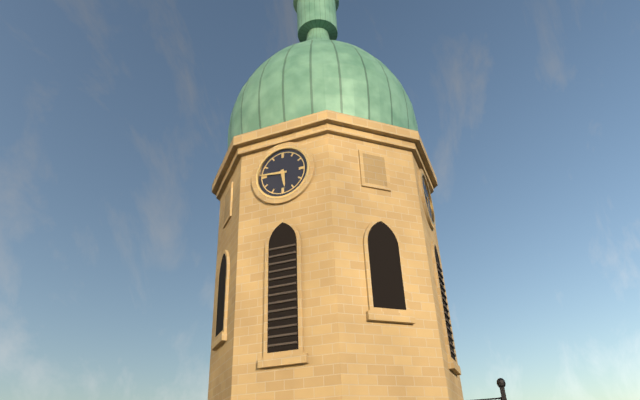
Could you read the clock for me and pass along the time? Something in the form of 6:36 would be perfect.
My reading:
5:46
